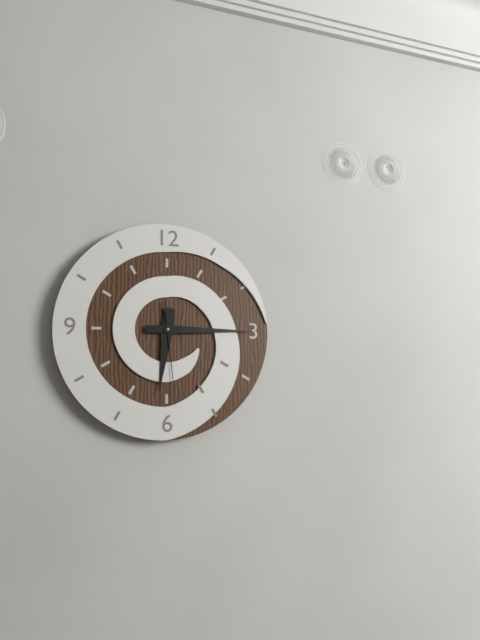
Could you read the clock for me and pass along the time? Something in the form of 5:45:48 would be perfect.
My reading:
6:15:29
